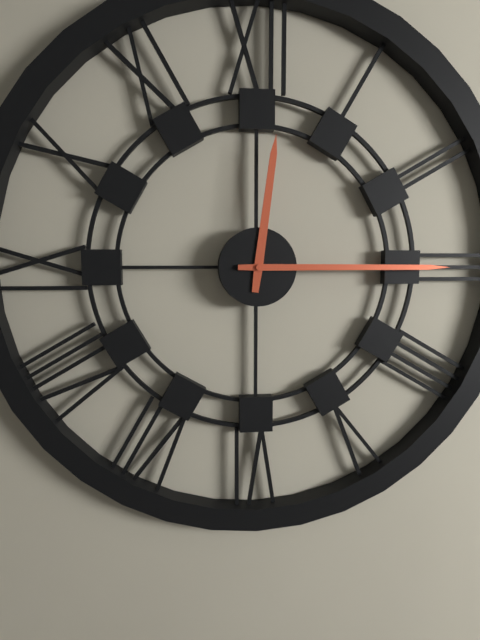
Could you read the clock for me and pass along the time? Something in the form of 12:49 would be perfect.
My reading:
12:15
